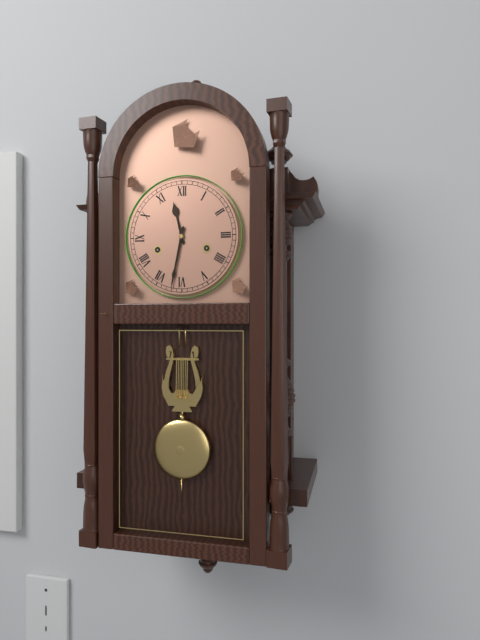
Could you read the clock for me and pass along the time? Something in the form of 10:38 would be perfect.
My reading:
11:32
